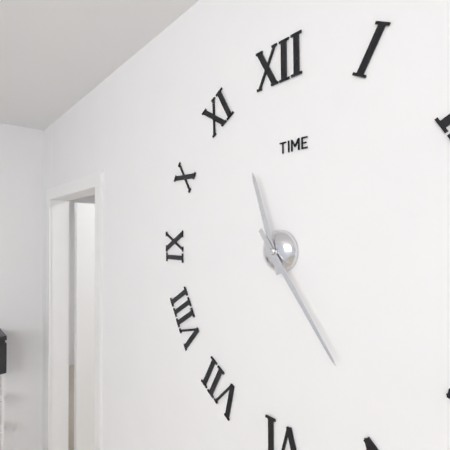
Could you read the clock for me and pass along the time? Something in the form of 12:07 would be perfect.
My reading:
11:24
